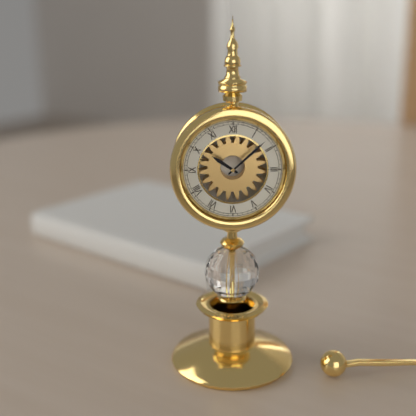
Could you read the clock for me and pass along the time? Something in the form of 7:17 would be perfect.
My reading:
10:08
